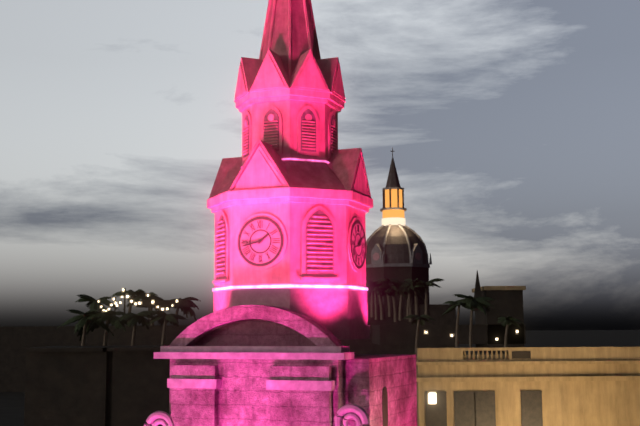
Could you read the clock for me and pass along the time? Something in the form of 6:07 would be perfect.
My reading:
1:43
